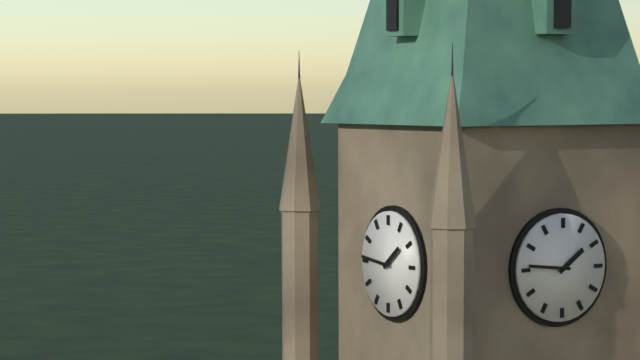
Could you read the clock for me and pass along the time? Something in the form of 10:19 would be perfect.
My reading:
1:46
